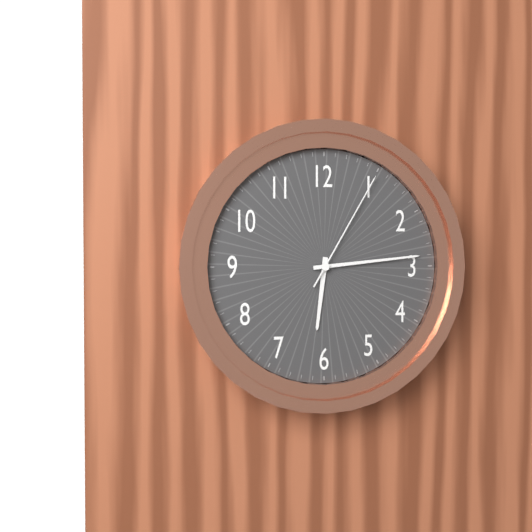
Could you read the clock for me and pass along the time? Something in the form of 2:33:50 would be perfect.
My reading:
6:14:05
